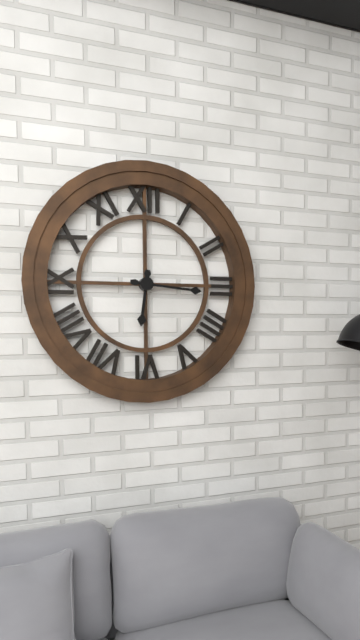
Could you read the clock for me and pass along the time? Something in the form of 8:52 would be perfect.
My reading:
6:16
